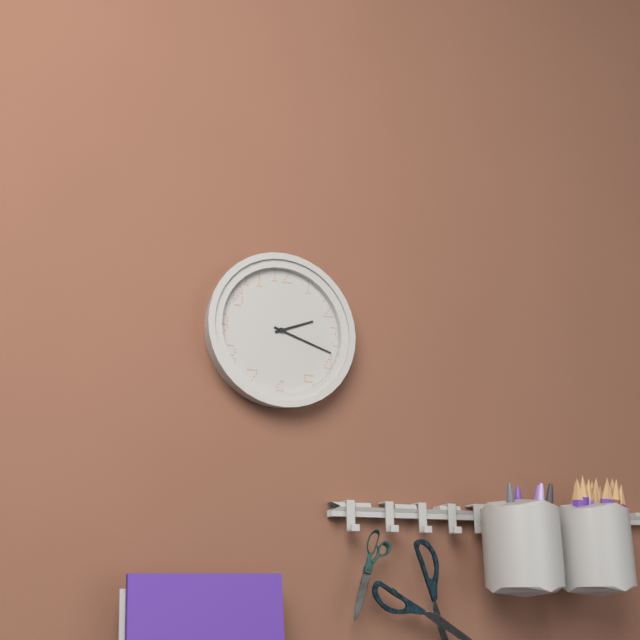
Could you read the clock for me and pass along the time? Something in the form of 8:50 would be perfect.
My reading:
2:18
